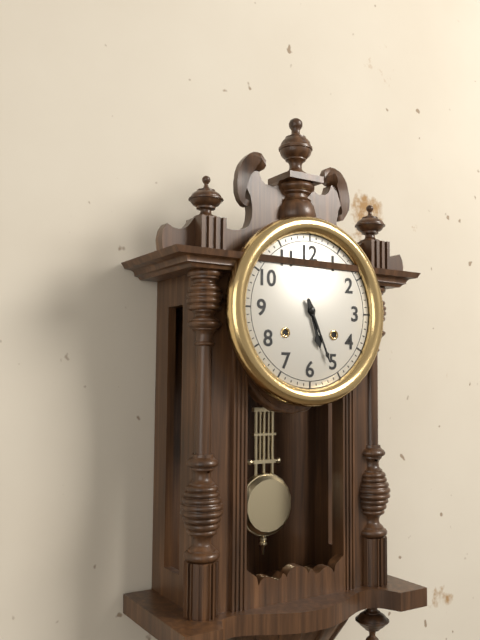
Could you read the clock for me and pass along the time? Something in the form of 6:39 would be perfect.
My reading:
5:26
